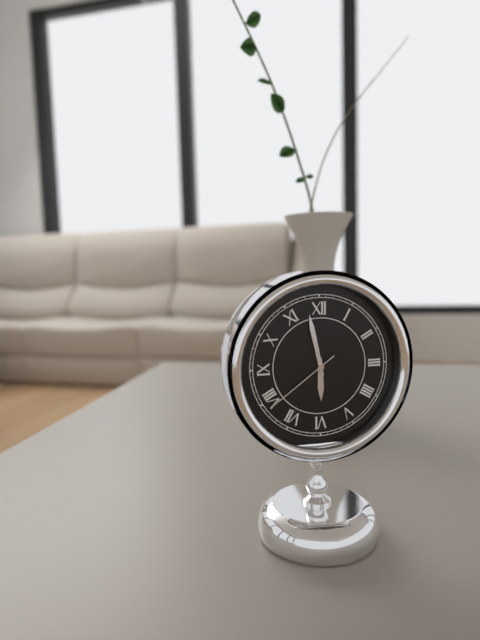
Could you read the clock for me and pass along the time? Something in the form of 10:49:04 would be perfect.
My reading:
5:58:39
